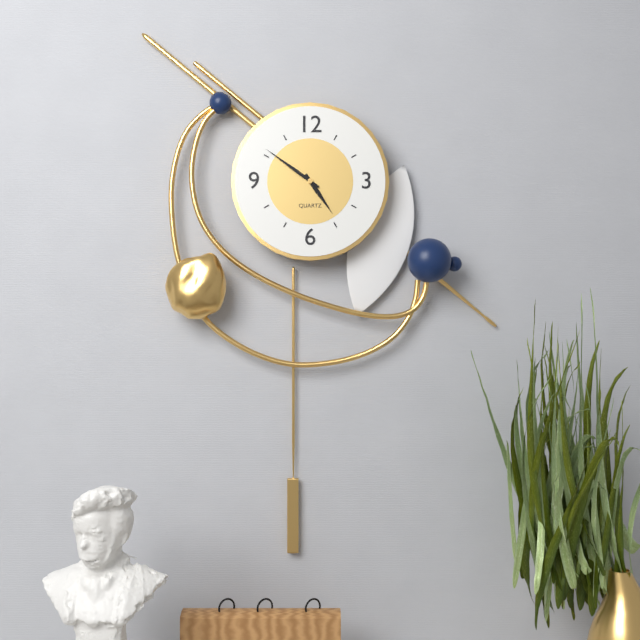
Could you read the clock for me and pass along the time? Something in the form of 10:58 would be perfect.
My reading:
4:51
